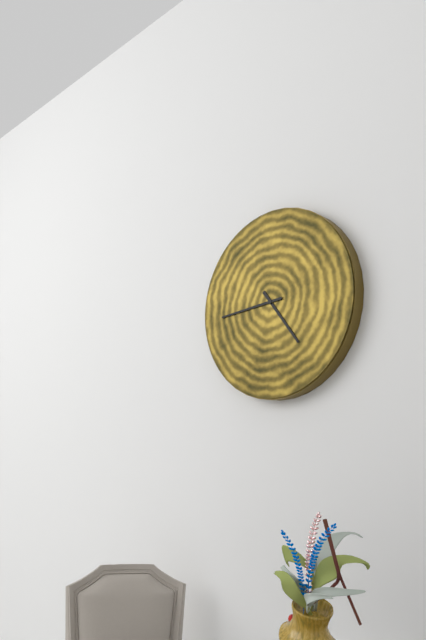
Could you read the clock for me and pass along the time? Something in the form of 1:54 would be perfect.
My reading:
4:44
